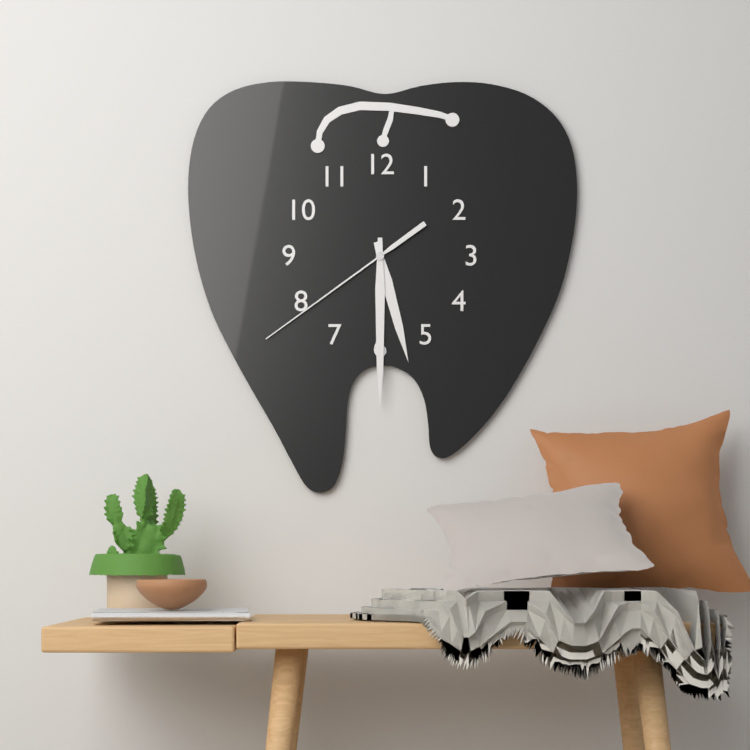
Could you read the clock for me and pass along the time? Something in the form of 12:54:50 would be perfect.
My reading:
5:30:39
